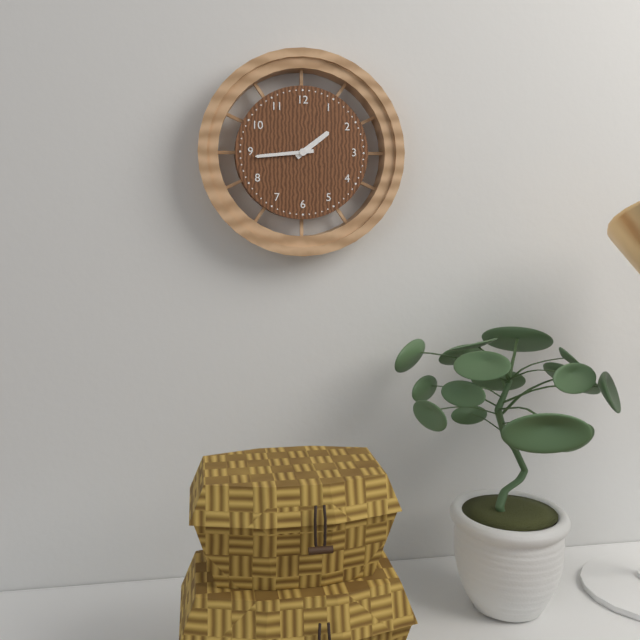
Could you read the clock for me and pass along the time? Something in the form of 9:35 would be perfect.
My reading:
1:44
